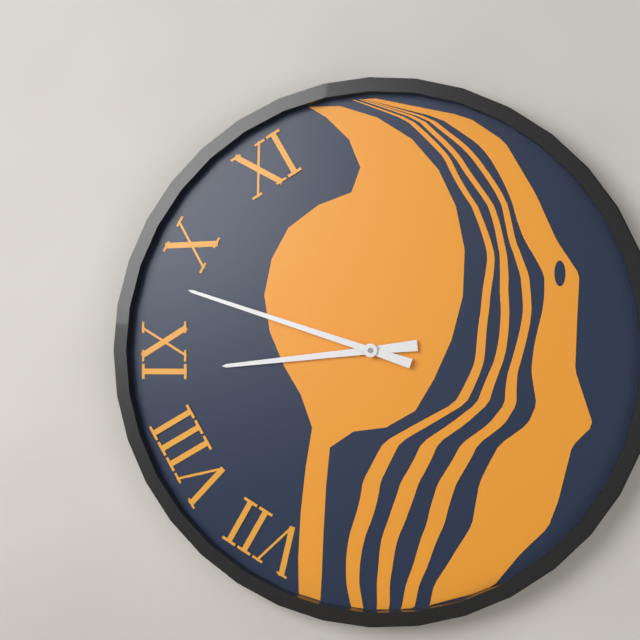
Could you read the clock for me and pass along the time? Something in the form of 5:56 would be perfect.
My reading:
8:48
